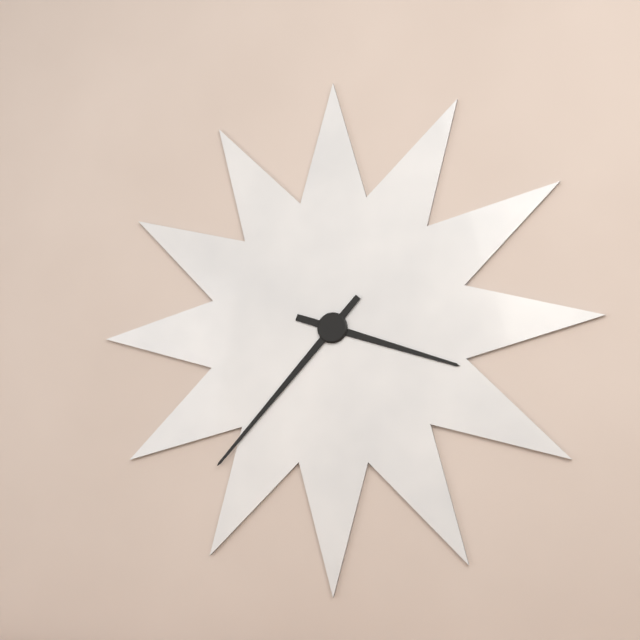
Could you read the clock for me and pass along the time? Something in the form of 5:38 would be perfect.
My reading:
3:37
